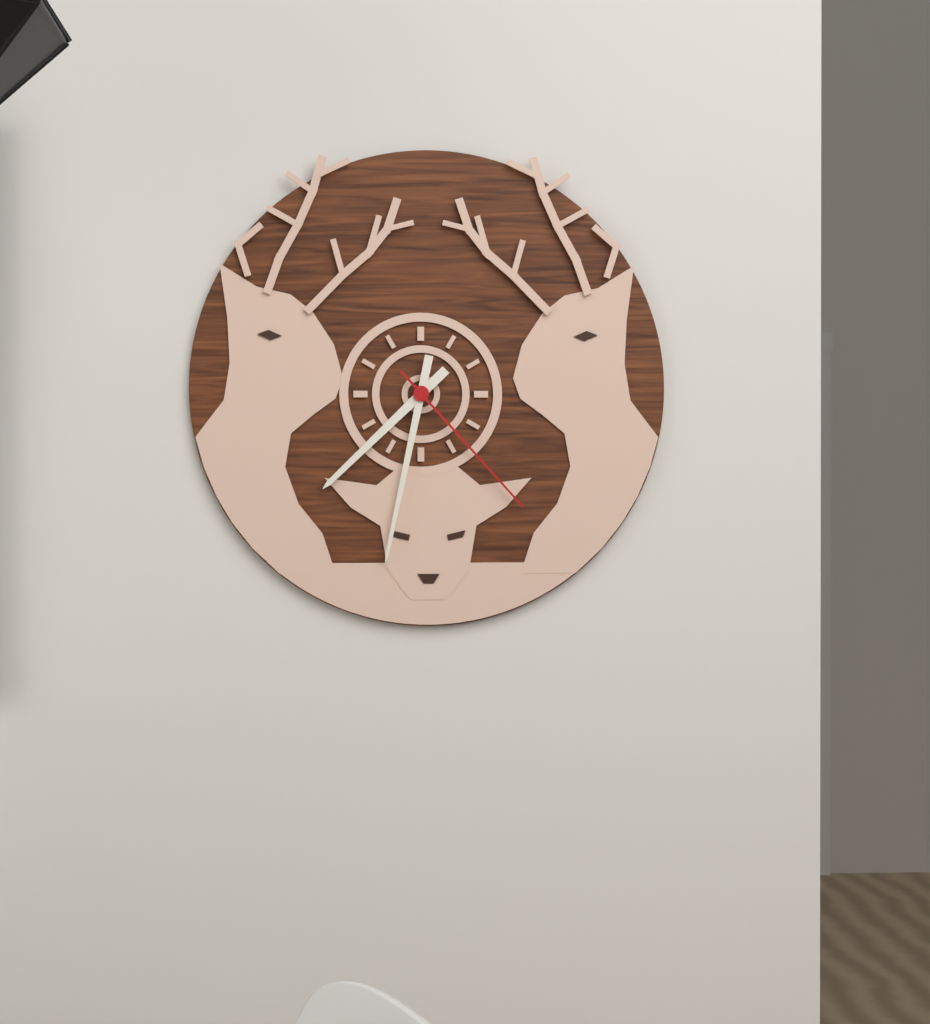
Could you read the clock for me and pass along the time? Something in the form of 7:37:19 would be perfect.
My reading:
7:32:23
